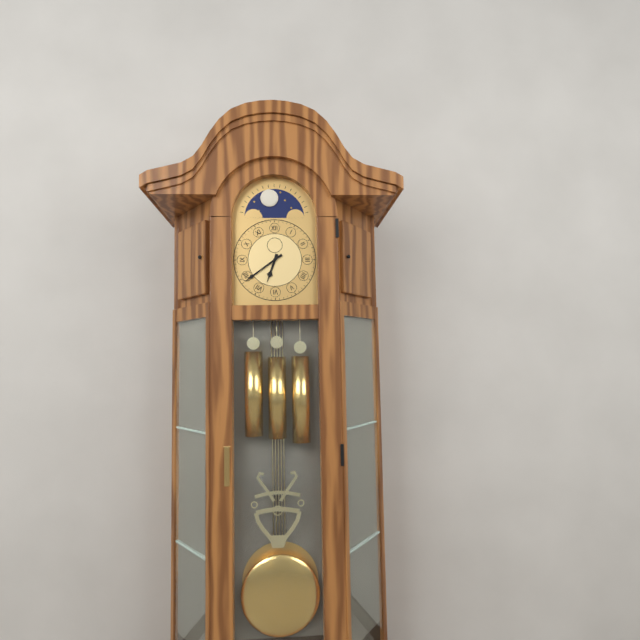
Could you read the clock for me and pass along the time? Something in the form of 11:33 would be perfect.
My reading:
6:39
